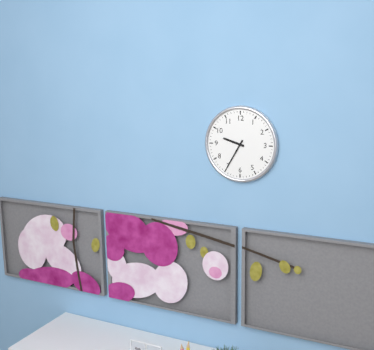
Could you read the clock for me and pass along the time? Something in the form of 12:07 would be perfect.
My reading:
9:35
